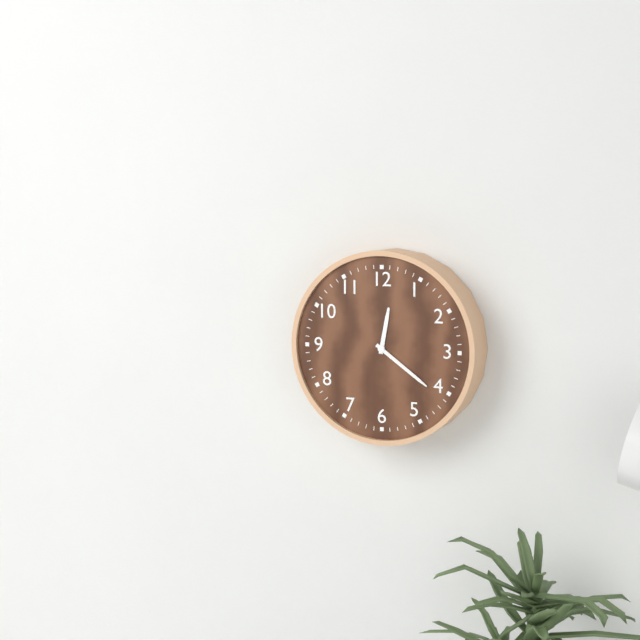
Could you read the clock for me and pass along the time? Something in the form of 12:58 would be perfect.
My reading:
12:21
